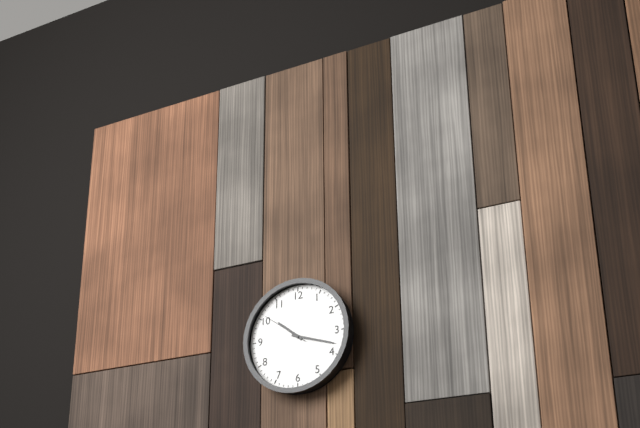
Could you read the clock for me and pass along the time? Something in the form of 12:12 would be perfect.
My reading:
10:18
